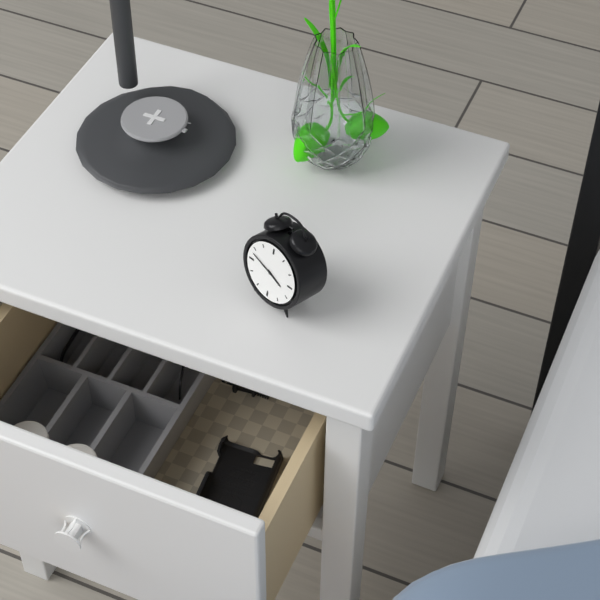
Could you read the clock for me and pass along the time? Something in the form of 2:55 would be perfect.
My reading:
3:48
